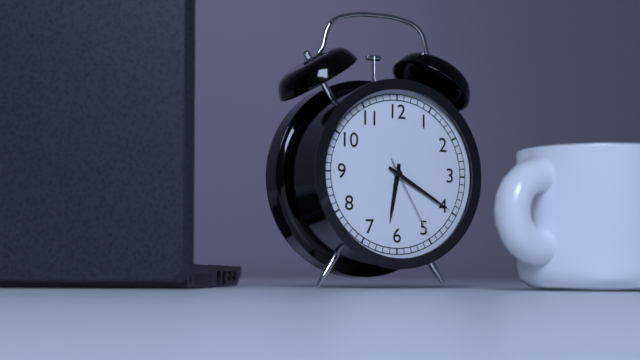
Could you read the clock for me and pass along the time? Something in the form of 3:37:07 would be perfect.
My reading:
6:20:25
